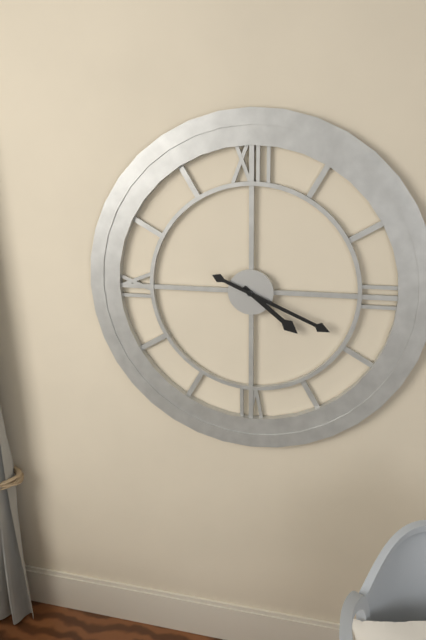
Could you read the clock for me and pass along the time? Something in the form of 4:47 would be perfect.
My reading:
4:19
